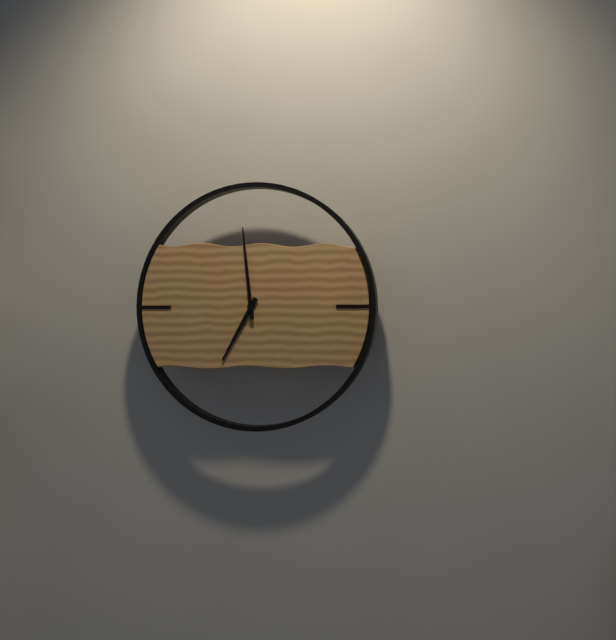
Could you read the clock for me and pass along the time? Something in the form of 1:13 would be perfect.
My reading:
6:59
